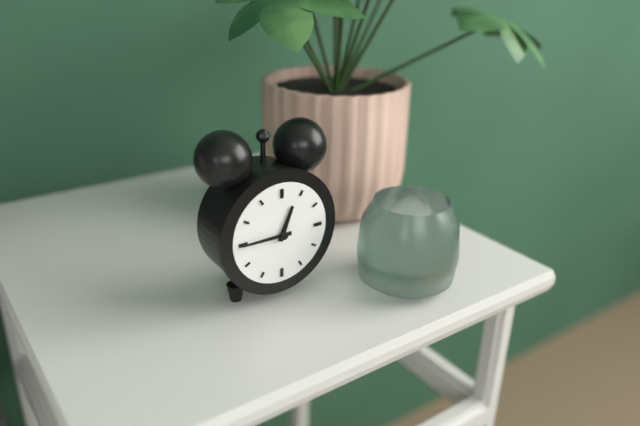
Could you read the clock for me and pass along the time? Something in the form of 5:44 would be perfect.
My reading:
12:45
